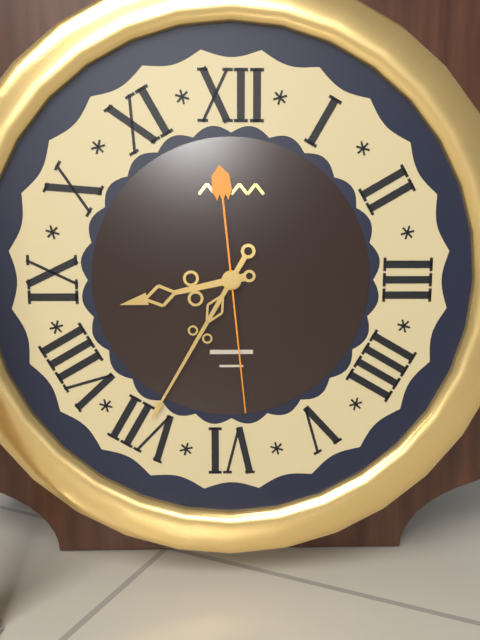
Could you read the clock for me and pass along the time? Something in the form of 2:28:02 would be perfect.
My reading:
8:35:29
